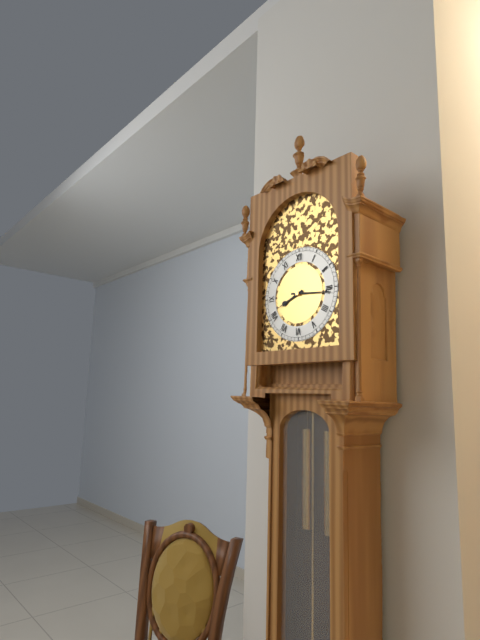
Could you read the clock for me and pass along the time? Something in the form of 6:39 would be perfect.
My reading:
8:16
